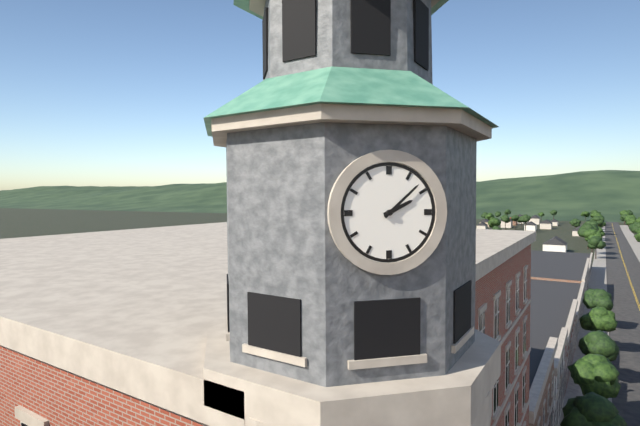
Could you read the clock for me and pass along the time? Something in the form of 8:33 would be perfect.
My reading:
2:08
